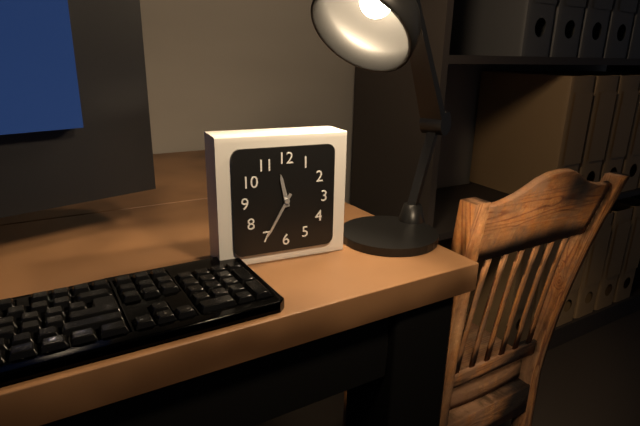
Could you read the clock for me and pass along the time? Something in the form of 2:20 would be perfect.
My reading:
11:35
